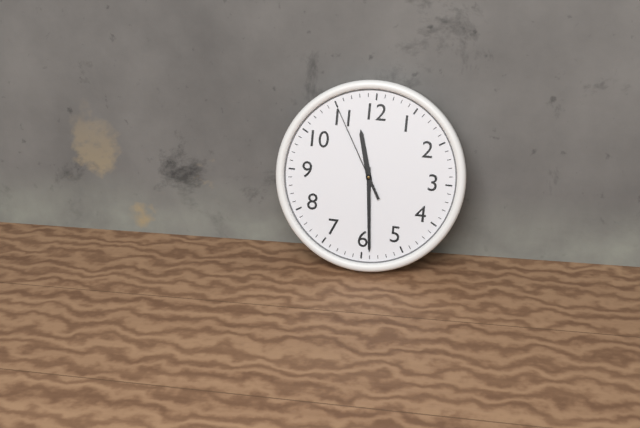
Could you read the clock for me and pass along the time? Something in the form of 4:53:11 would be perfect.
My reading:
11:29:55
